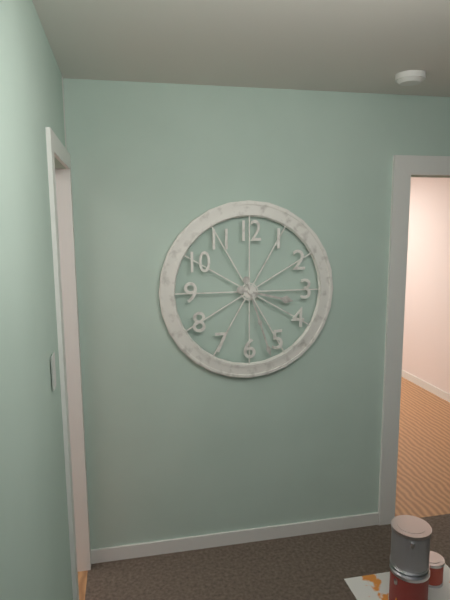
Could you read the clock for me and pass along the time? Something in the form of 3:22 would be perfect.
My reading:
3:27
